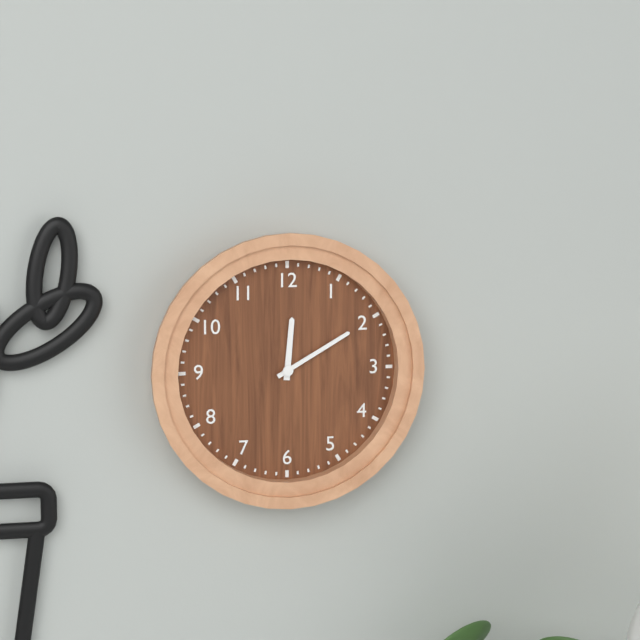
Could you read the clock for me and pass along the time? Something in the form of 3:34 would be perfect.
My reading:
12:10
